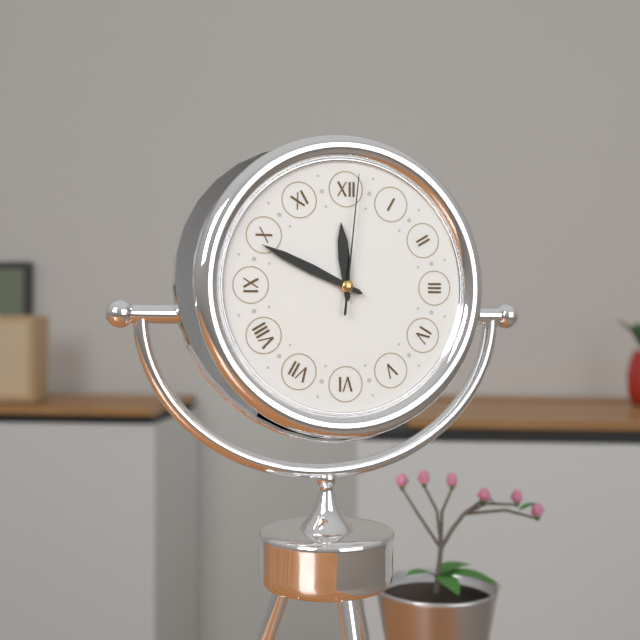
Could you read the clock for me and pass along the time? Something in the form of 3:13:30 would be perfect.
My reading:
11:49:01
